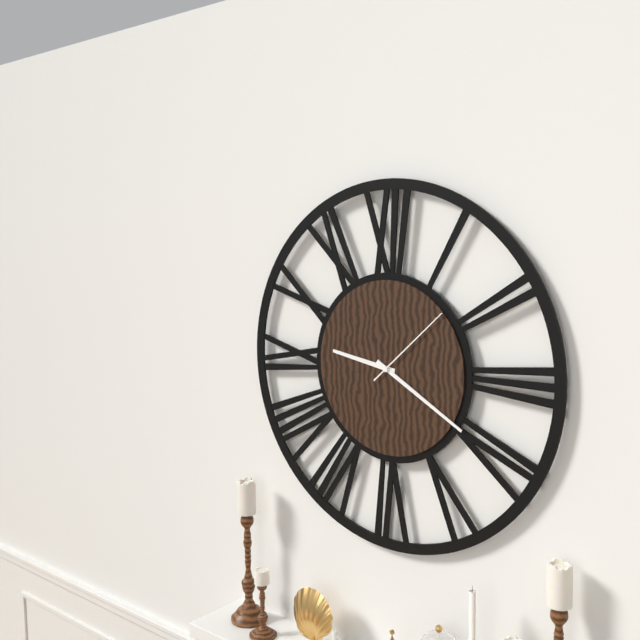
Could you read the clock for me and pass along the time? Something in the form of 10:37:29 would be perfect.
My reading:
9:20:08
